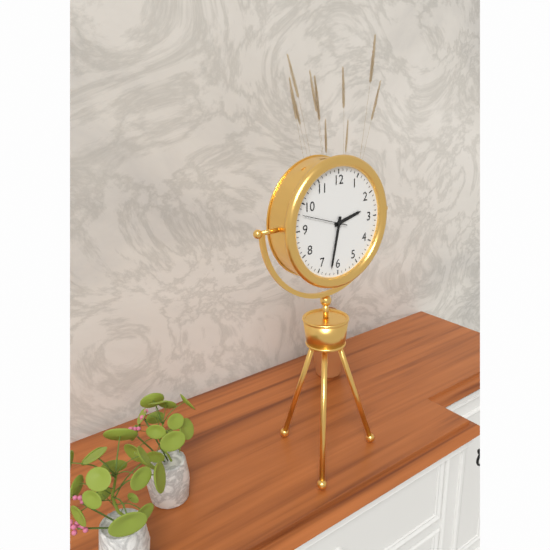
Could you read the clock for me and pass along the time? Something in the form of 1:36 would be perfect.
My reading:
2:32
